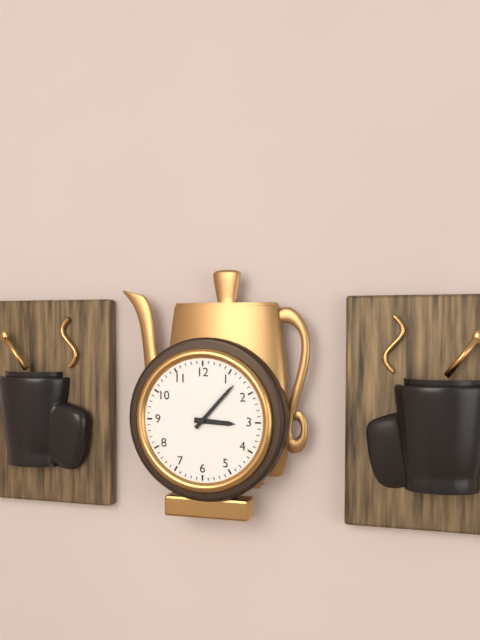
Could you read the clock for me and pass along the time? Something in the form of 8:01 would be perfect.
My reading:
3:07
